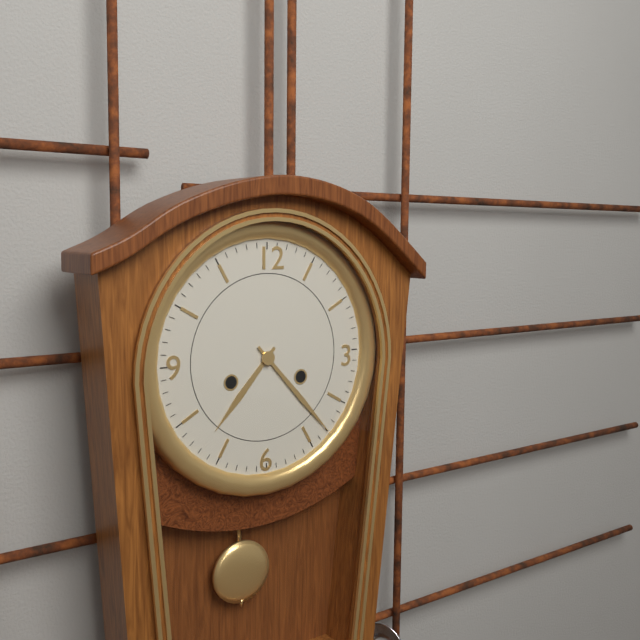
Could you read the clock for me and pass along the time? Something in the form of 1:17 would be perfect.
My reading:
7:23
